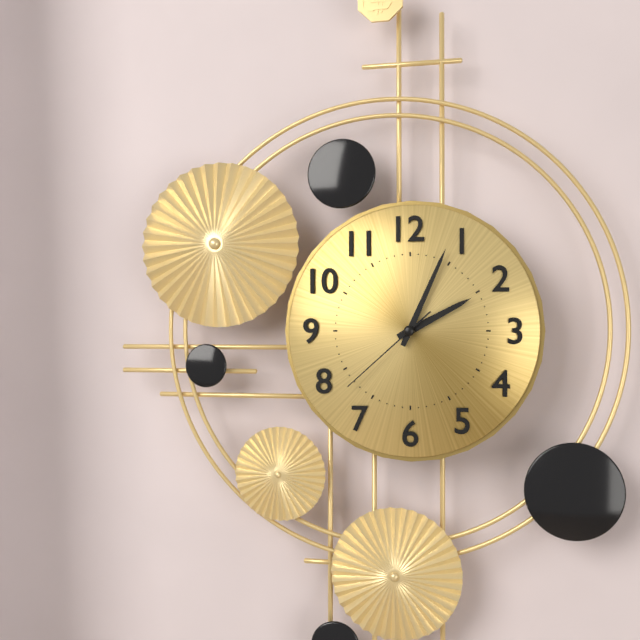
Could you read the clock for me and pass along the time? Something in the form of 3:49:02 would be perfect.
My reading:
2:04:38
